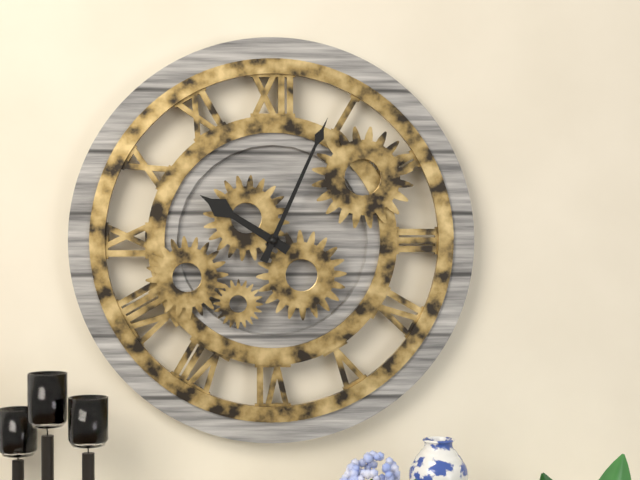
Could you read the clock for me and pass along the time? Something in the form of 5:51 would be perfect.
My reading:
10:04
